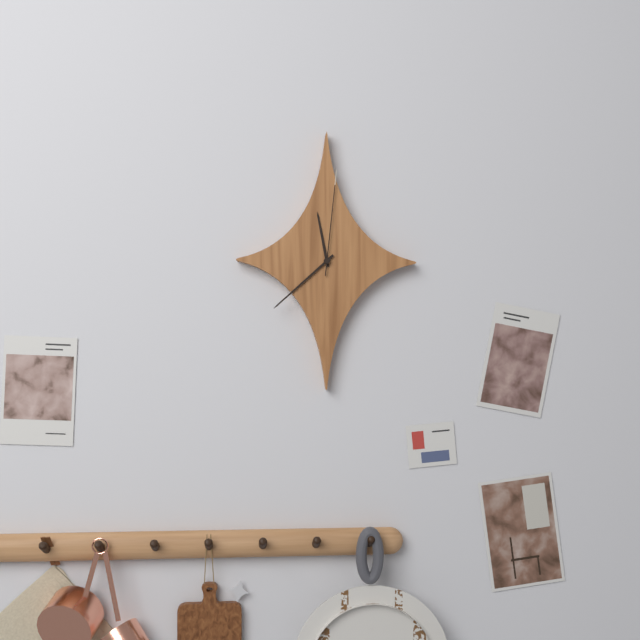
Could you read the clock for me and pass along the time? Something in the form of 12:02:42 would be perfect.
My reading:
11:38:01
